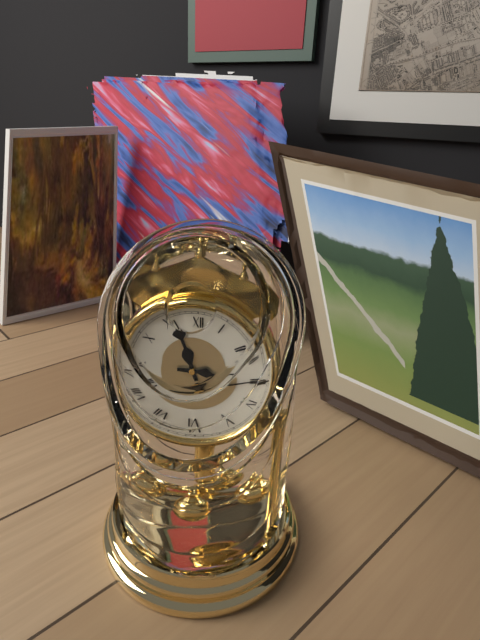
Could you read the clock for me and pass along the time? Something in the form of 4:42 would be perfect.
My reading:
11:15
